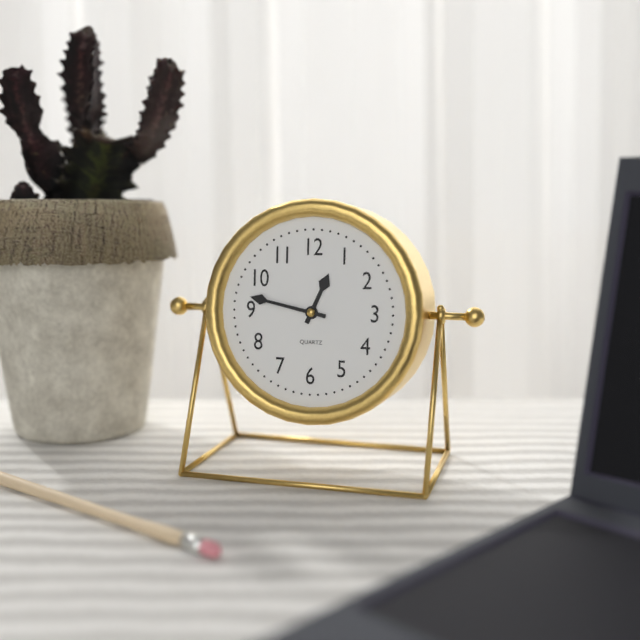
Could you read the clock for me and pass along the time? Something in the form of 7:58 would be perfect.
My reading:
12:47
